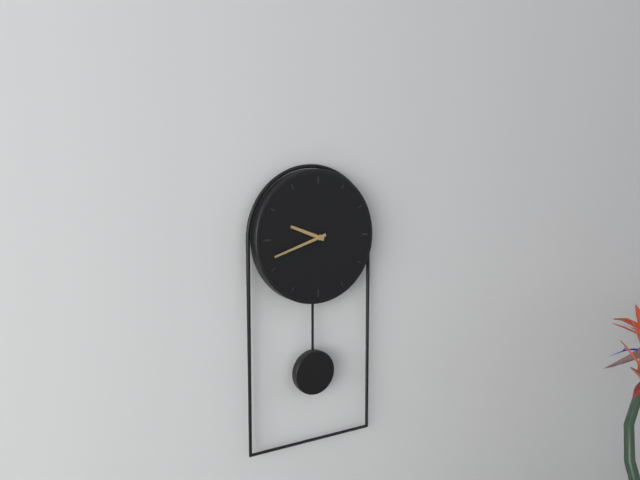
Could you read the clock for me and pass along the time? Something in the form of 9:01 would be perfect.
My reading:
9:42
